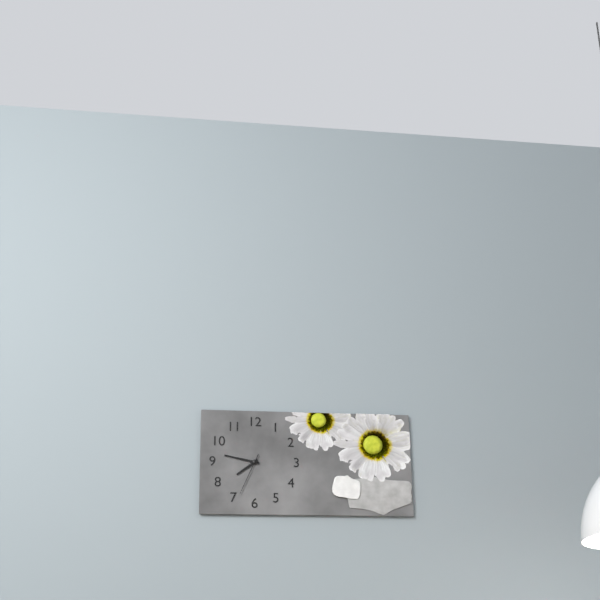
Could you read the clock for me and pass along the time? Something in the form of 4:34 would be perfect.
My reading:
7:47
